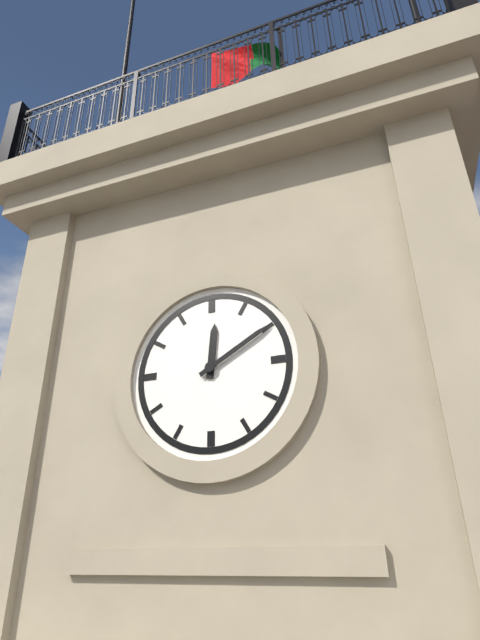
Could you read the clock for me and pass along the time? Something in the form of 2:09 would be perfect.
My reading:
12:10
